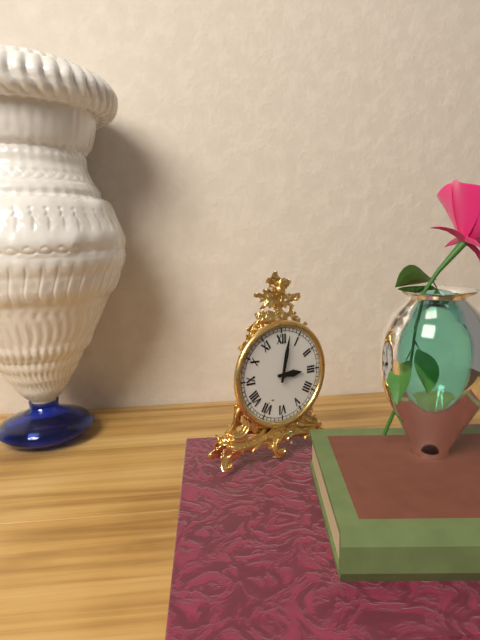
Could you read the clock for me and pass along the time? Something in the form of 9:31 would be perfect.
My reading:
3:02
